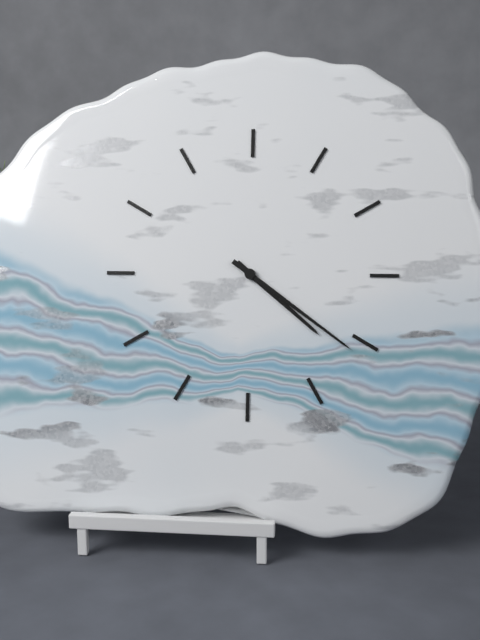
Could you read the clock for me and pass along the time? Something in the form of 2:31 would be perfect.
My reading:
4:21
